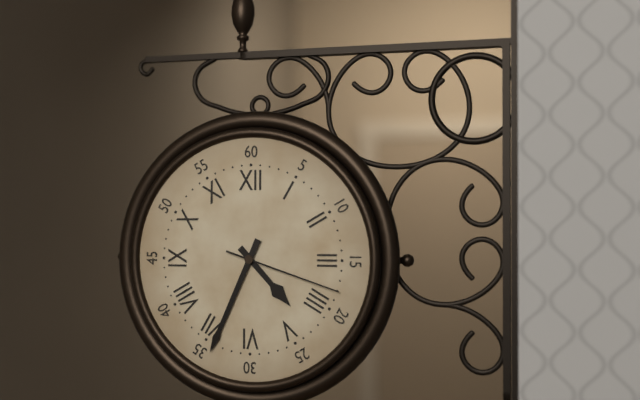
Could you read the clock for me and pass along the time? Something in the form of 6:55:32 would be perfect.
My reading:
4:34:18
